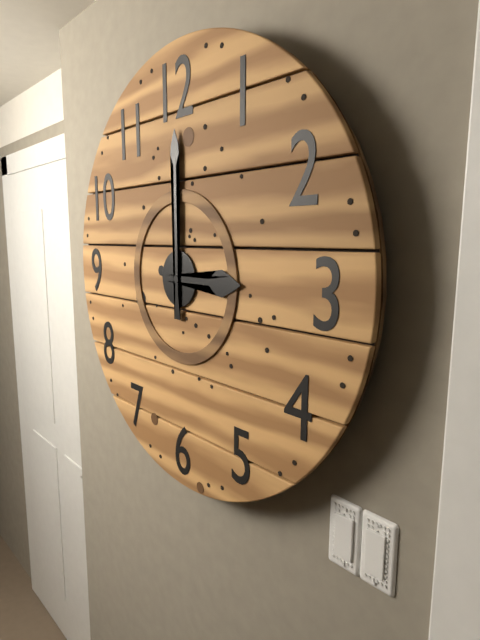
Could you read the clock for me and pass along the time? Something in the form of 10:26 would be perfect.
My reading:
3:00
